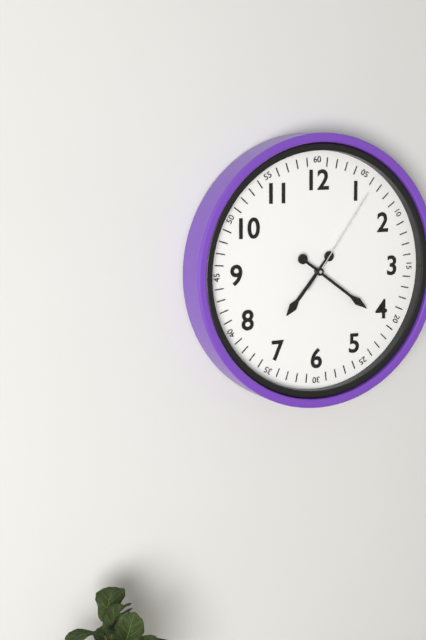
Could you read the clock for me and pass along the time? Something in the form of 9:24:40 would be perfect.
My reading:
7:21:06
